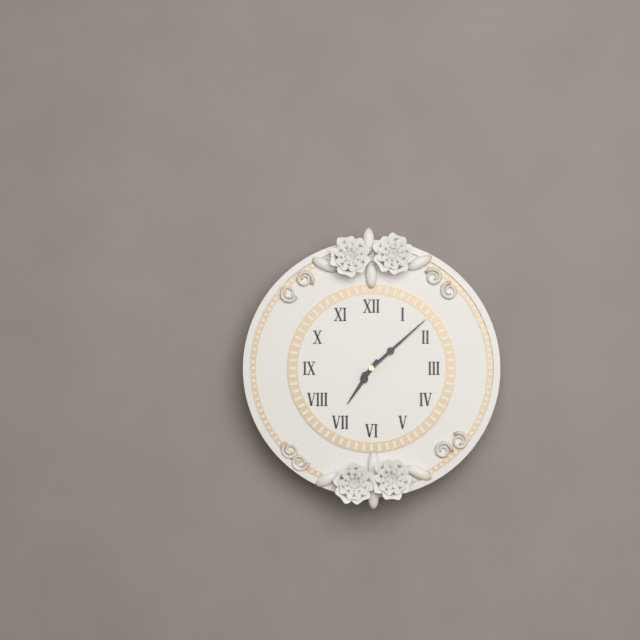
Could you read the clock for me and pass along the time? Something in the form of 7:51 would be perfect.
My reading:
7:08
